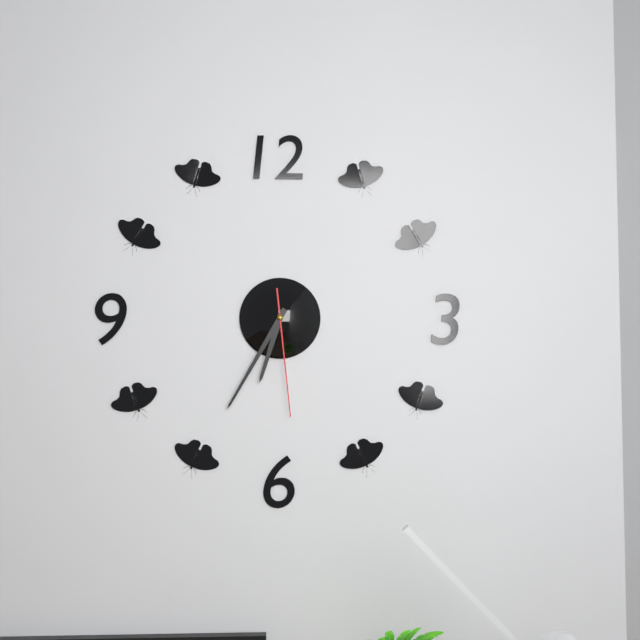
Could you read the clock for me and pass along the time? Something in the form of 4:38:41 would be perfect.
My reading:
6:35:29
